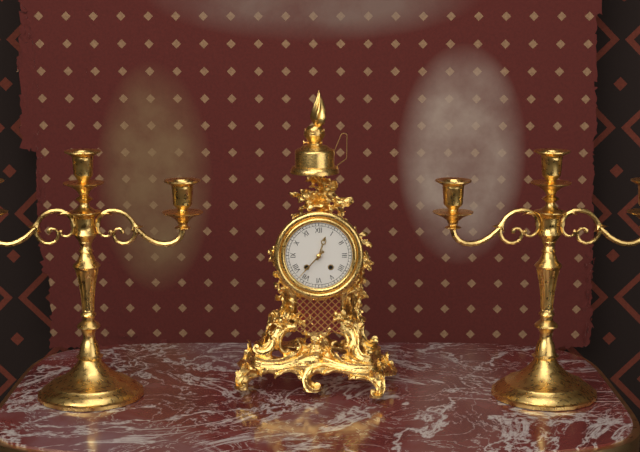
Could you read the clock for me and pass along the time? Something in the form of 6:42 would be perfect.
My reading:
12:37
